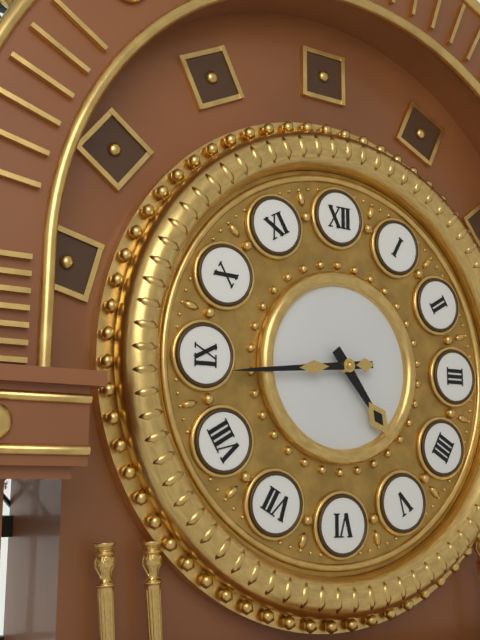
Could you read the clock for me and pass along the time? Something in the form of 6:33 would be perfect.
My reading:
4:44
